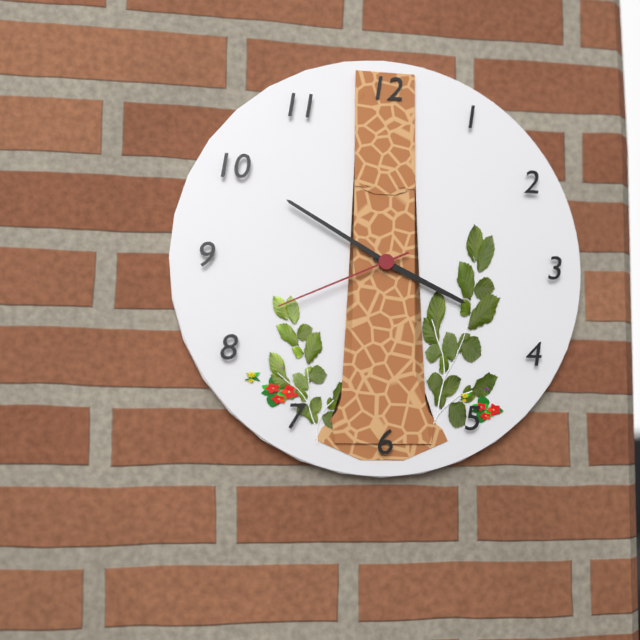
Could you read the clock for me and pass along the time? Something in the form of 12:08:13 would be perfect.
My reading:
3:50:41
